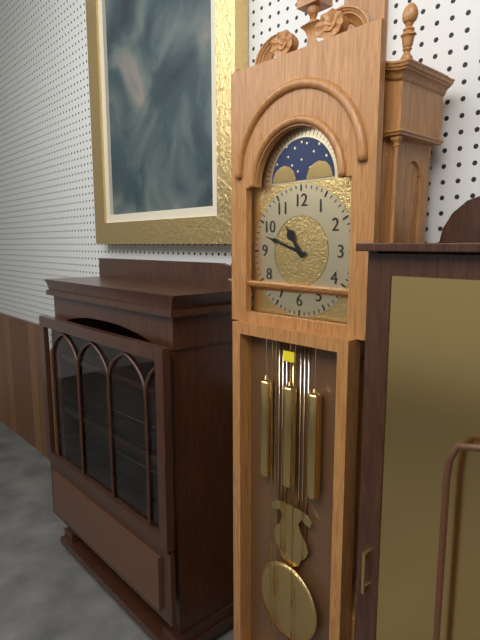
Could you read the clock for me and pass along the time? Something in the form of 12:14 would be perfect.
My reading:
10:48
